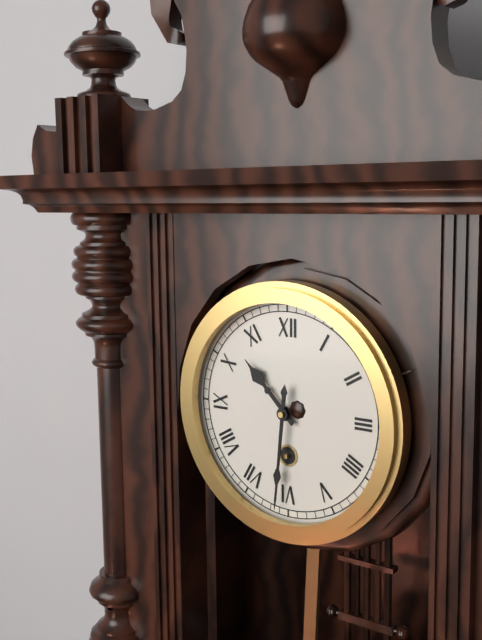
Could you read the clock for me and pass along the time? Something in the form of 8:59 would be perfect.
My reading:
10:31
